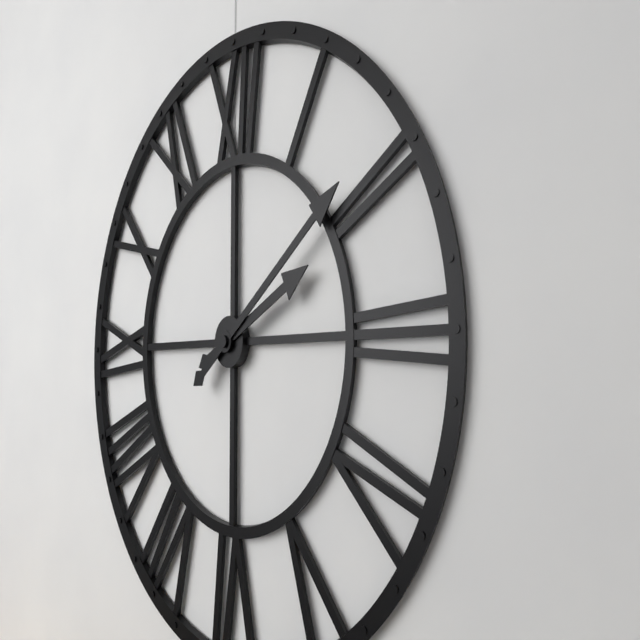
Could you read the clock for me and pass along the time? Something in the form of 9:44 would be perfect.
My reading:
2:09
